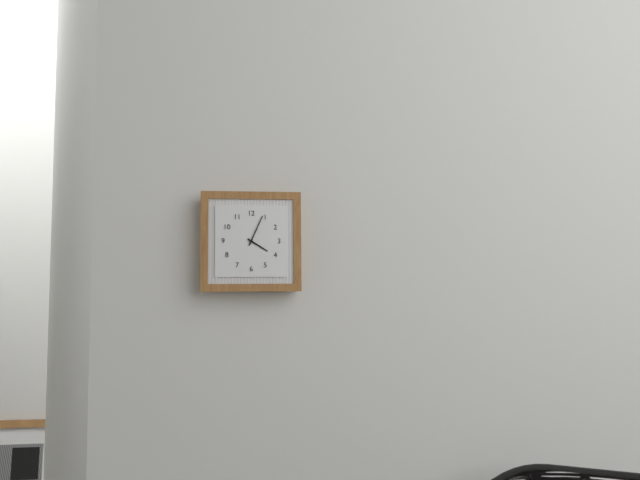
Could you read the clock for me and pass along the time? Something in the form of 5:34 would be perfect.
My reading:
4:04
